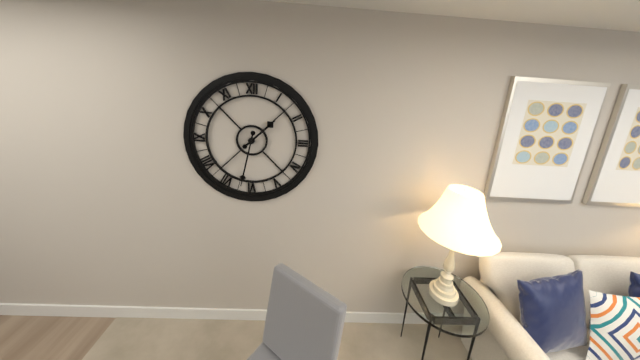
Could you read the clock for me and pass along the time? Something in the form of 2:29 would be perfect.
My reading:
1:32
